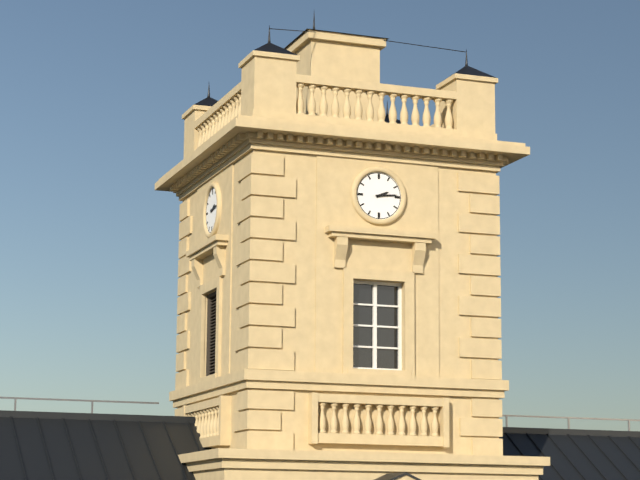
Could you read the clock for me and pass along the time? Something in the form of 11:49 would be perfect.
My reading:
2:14
